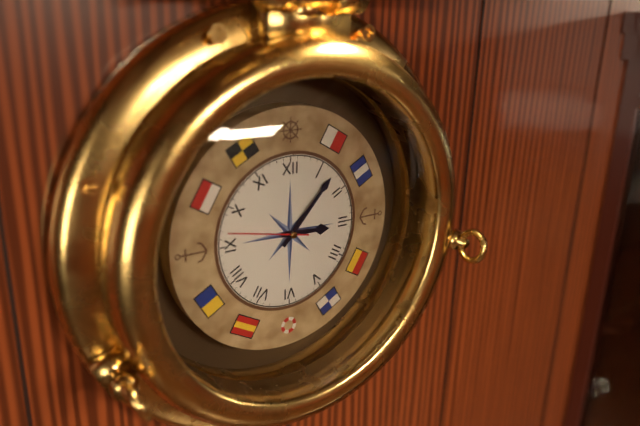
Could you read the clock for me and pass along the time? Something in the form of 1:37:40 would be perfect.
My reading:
3:07:47
